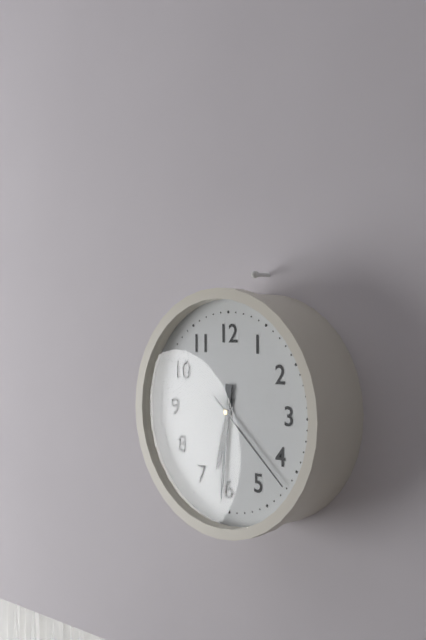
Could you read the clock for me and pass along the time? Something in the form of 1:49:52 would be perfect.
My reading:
6:31:22
